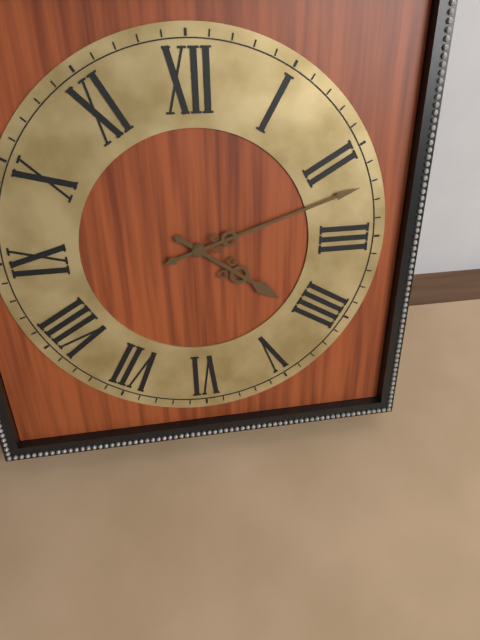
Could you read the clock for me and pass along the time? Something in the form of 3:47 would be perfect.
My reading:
4:12
